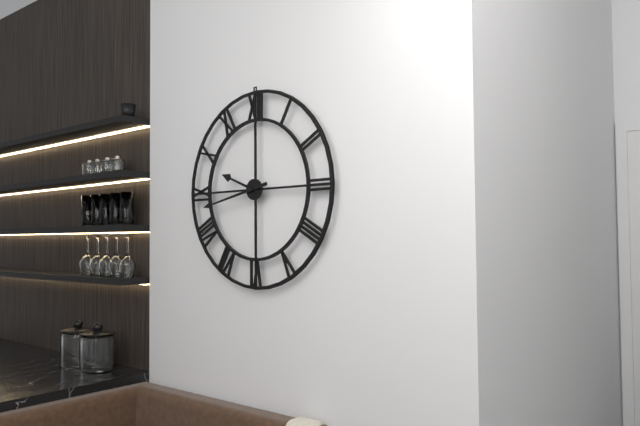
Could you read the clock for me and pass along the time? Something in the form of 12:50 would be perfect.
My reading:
9:43
